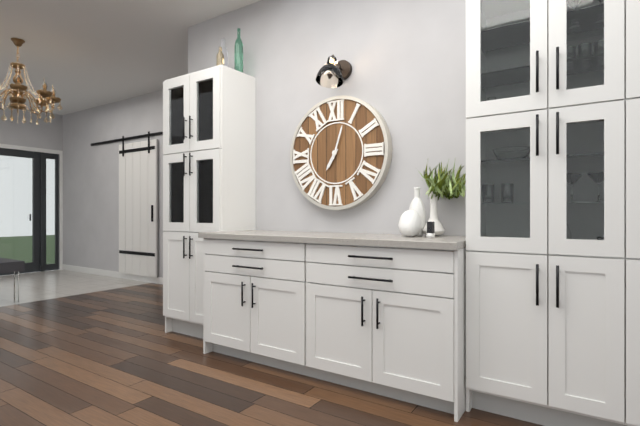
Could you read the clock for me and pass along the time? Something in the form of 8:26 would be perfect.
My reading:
7:03
